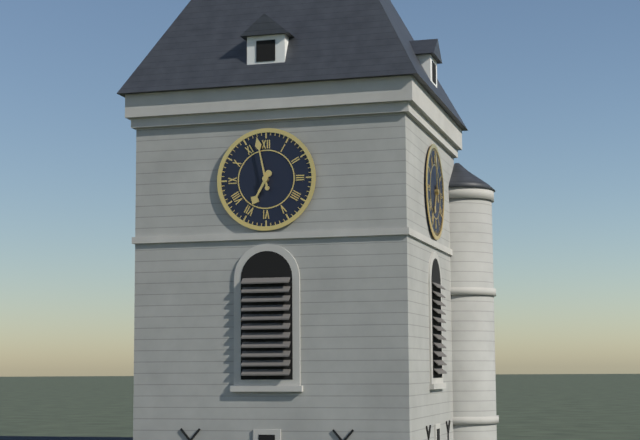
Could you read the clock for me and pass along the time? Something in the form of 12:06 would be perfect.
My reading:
6:58
